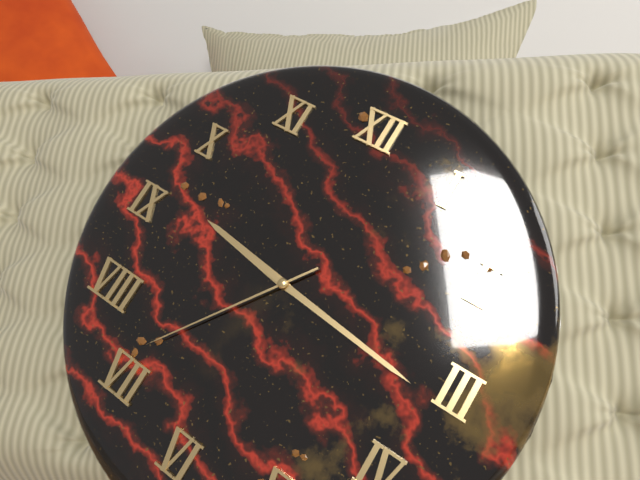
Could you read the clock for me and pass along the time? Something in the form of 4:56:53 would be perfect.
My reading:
9:16:36
